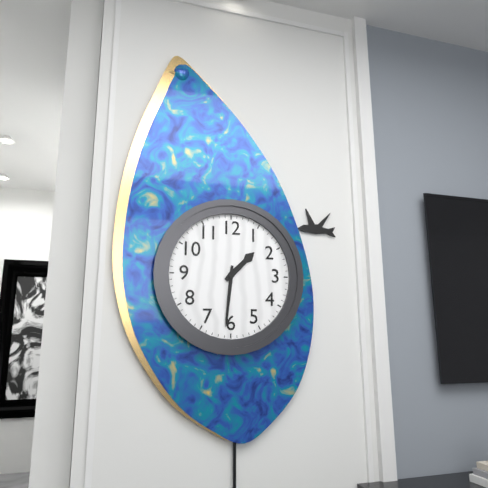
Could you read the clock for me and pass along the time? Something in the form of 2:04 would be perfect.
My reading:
1:31
